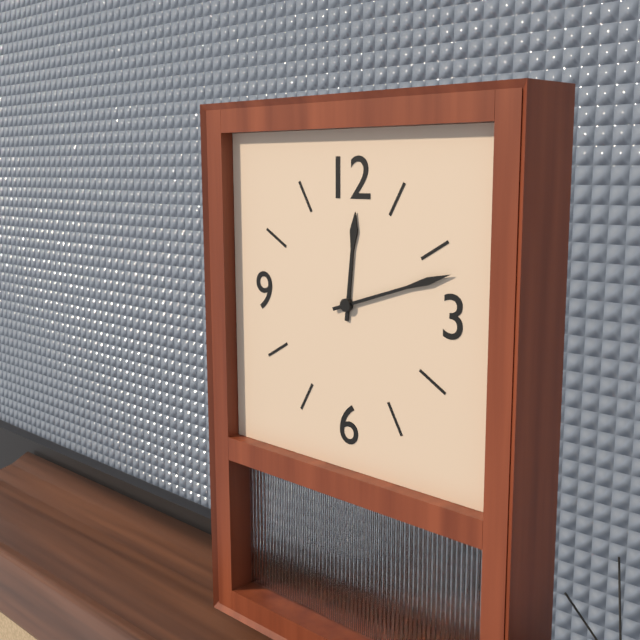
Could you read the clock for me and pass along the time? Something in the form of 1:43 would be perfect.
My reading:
12:12
